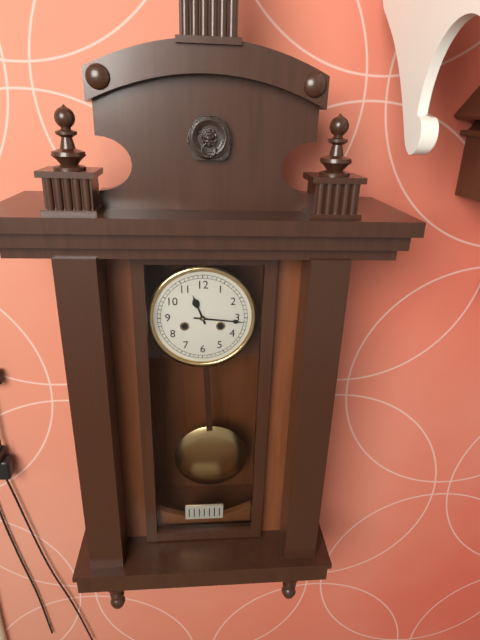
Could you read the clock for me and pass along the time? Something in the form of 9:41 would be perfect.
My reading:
11:16
